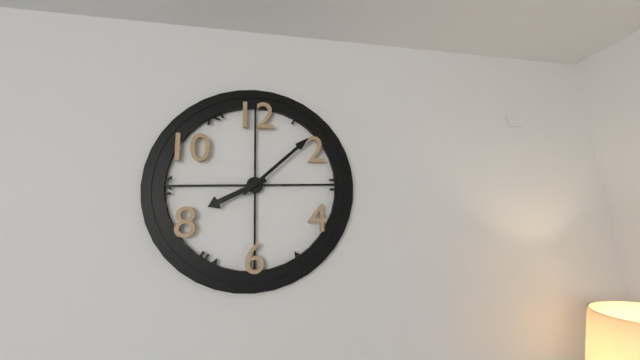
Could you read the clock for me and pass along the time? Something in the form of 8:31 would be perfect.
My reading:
8:08
